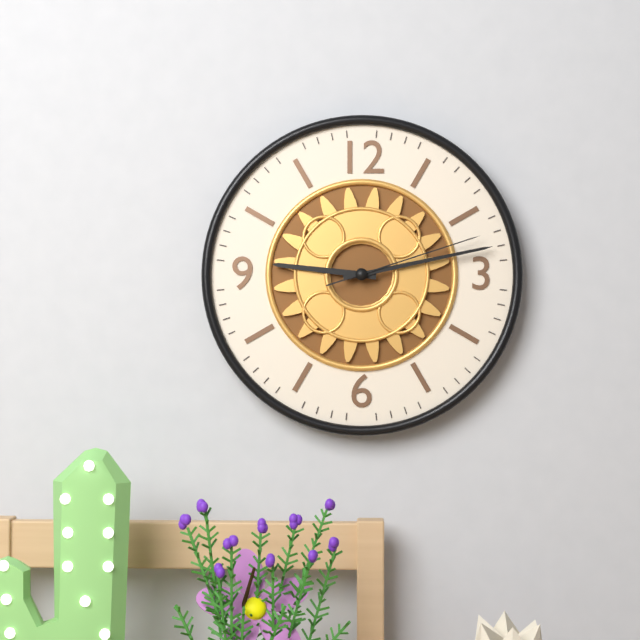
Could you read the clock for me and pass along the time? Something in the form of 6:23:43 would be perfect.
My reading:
9:13:12
